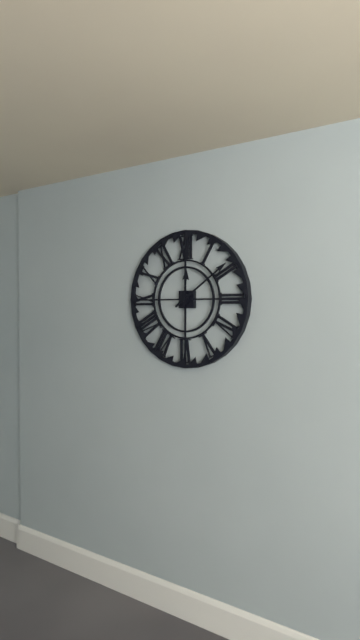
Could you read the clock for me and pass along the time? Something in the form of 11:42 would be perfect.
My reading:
12:09
